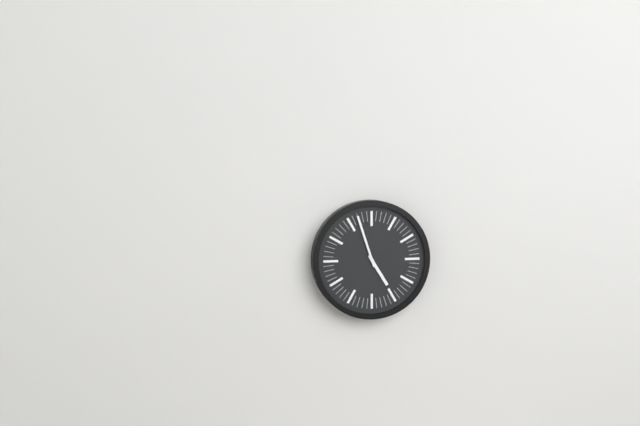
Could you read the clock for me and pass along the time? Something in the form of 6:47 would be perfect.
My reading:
4:57
